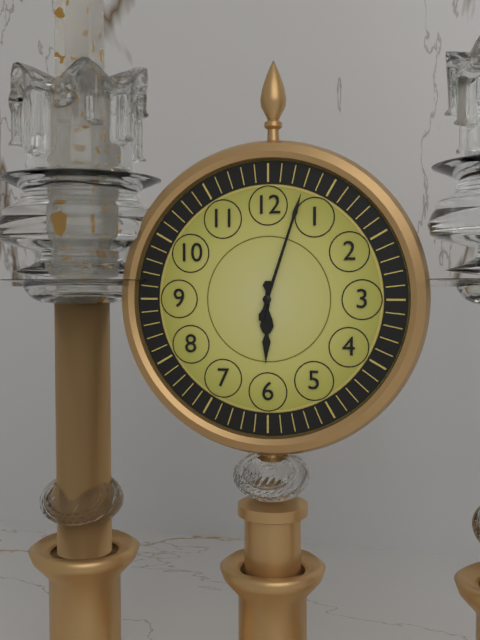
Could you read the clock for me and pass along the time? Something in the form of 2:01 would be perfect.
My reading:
6:03
